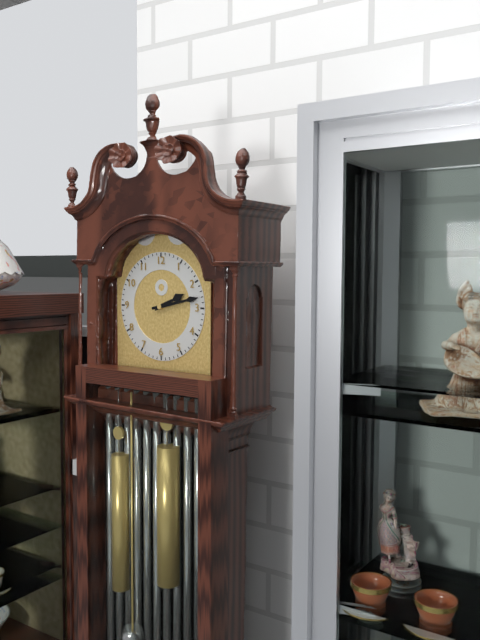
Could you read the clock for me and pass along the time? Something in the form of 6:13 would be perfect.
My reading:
2:13
